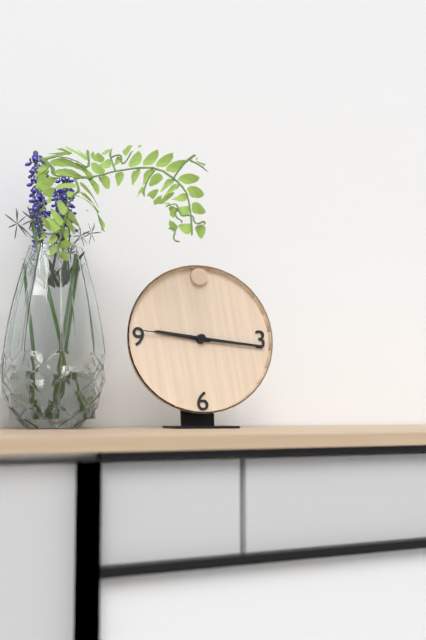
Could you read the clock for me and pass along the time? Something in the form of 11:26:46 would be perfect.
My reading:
9:16:46
